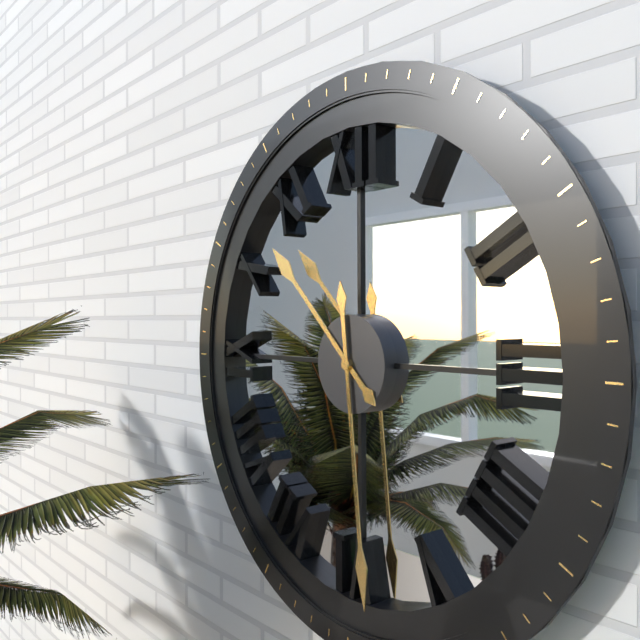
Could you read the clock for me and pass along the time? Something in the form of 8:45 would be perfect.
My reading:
10:29
